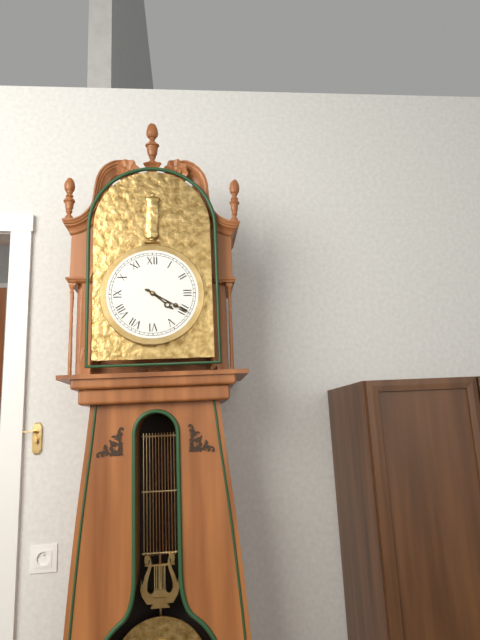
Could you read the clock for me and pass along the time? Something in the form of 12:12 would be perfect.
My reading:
4:20
